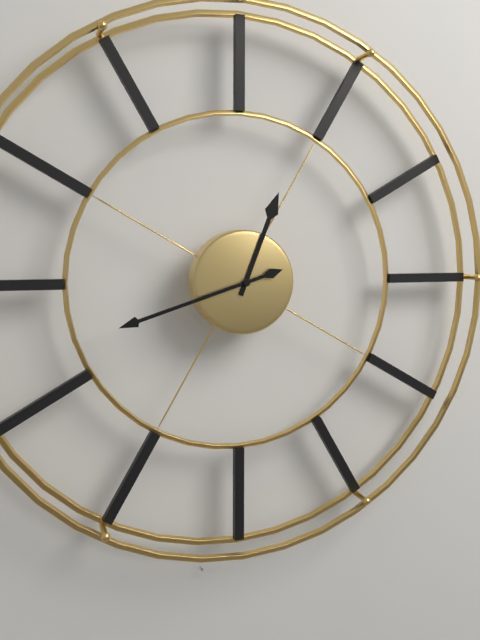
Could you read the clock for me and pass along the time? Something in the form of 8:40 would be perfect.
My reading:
12:42
